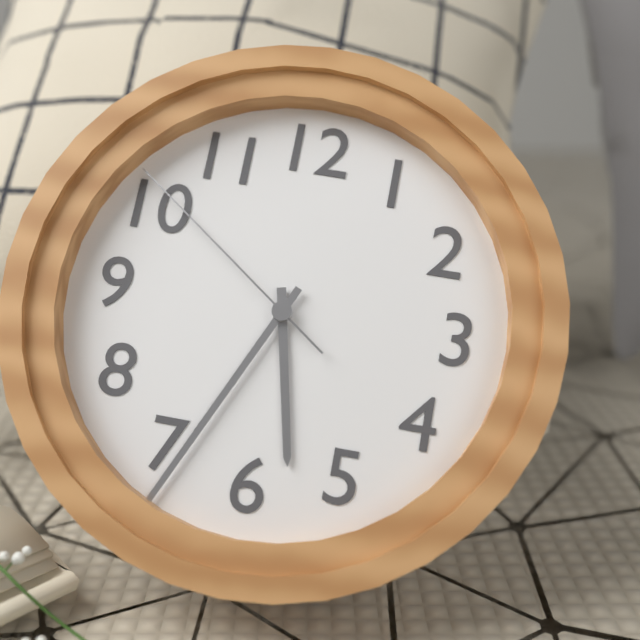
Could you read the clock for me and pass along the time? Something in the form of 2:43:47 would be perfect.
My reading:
5:34:51
